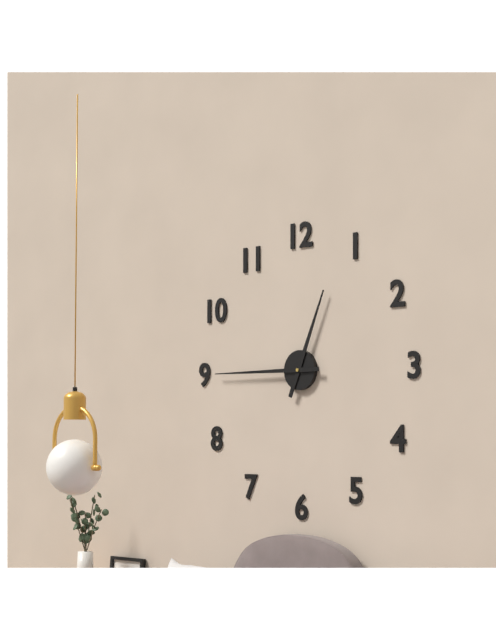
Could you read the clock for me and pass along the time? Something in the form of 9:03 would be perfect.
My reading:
12:45
